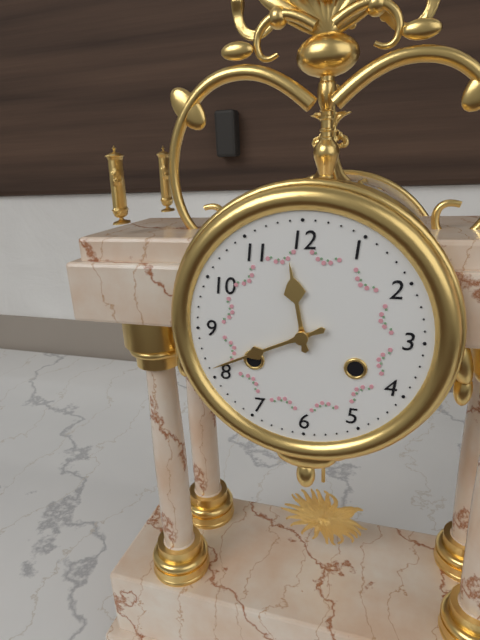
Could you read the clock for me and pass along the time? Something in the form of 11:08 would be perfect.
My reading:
11:41
